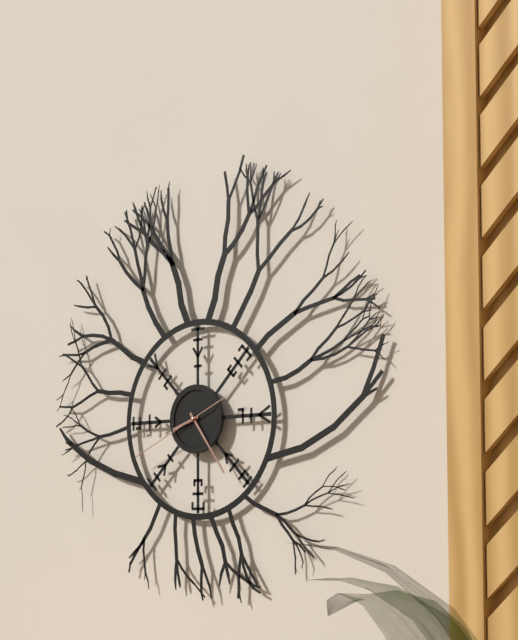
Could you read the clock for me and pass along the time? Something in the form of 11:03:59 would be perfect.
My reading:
8:24:41
